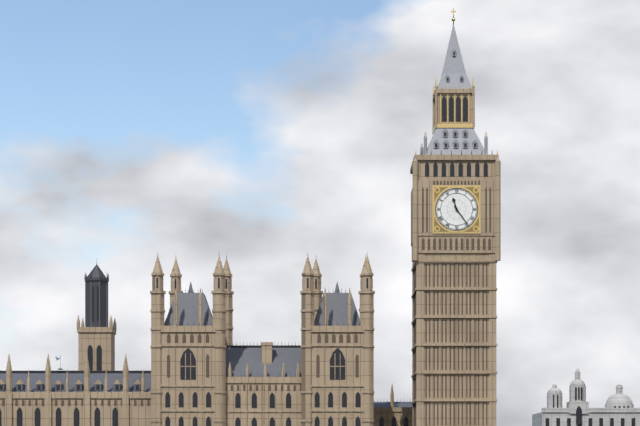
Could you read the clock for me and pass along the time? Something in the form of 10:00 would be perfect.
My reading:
11:24
